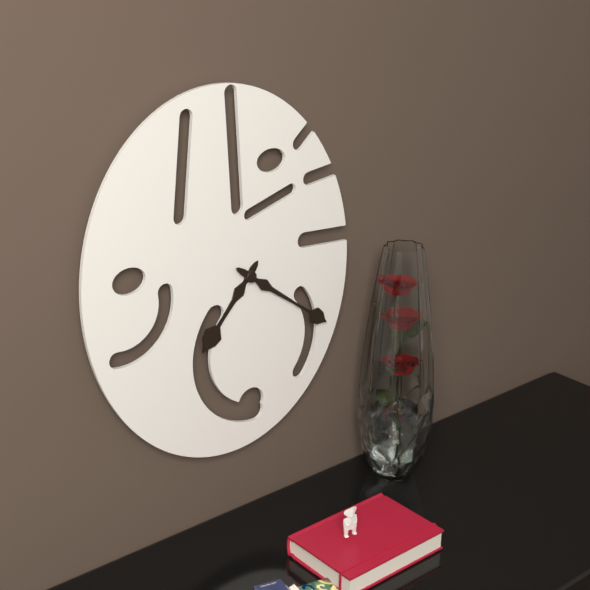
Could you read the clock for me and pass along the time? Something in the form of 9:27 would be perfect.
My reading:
7:21
